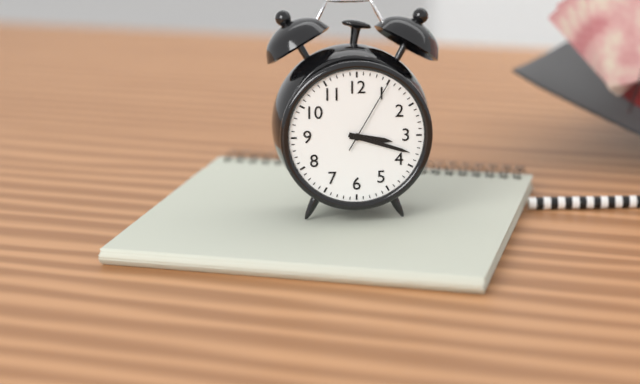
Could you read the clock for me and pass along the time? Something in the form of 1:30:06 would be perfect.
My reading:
3:18:05
